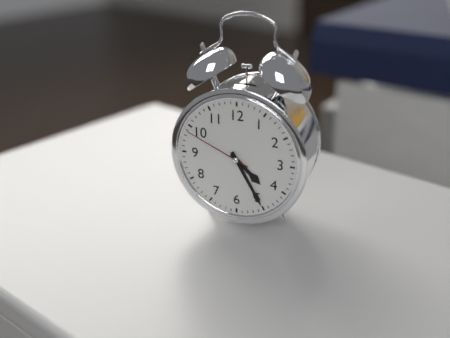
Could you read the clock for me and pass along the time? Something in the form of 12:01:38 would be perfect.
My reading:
4:25:49
